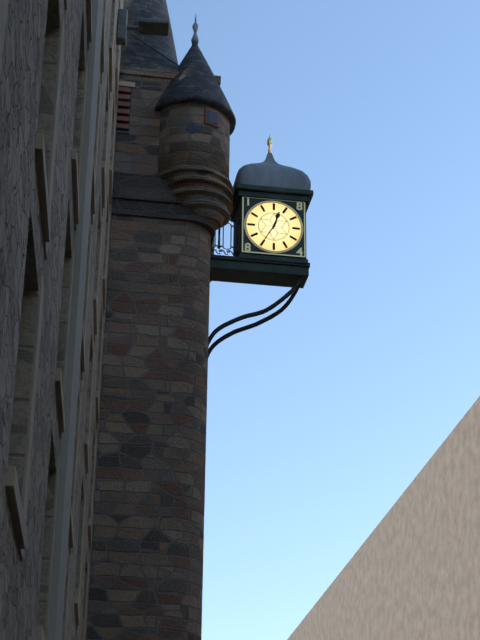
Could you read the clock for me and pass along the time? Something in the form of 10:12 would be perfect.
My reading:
12:35
